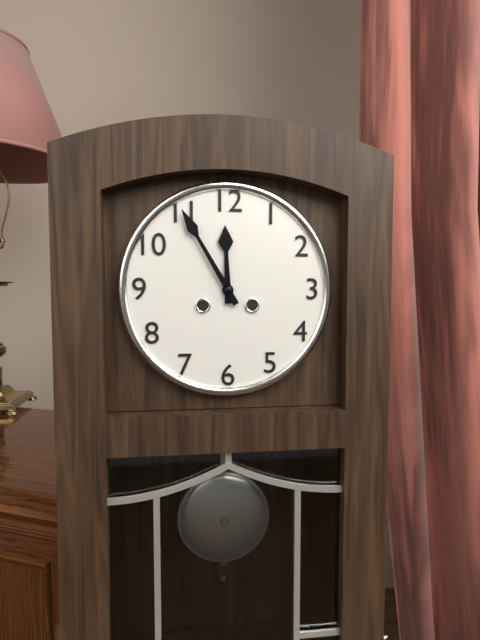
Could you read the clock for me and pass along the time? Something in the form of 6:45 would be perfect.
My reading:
11:55
